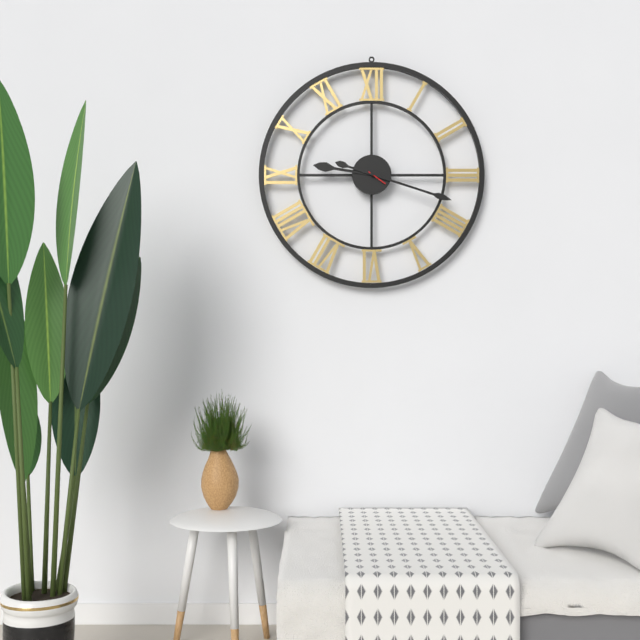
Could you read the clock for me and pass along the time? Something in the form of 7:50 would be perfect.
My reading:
9:18
